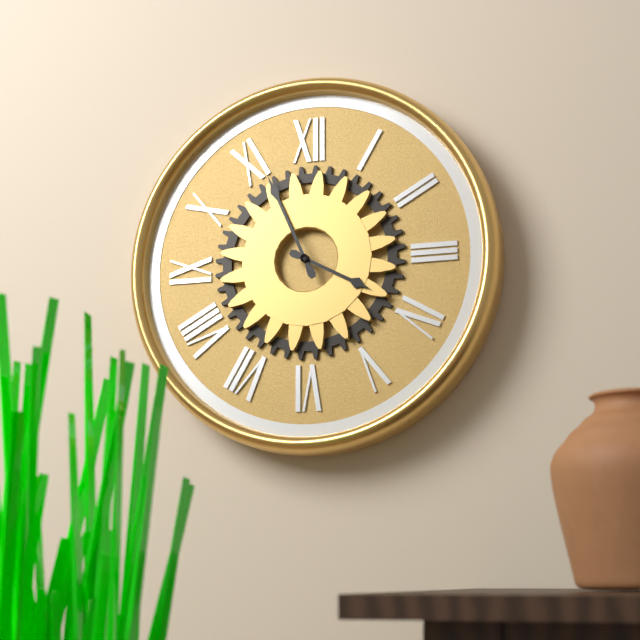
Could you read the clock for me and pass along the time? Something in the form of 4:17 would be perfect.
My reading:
3:56
